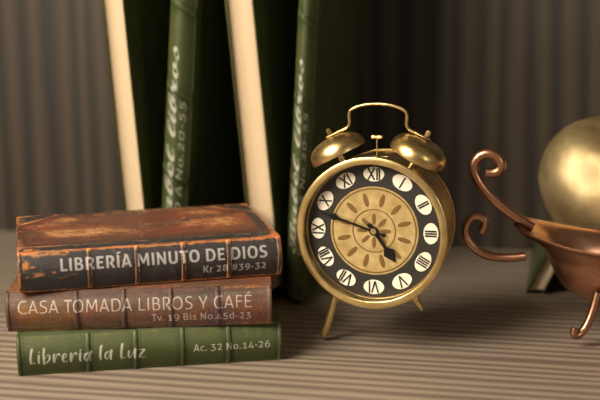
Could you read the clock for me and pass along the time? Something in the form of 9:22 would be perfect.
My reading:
4:48
